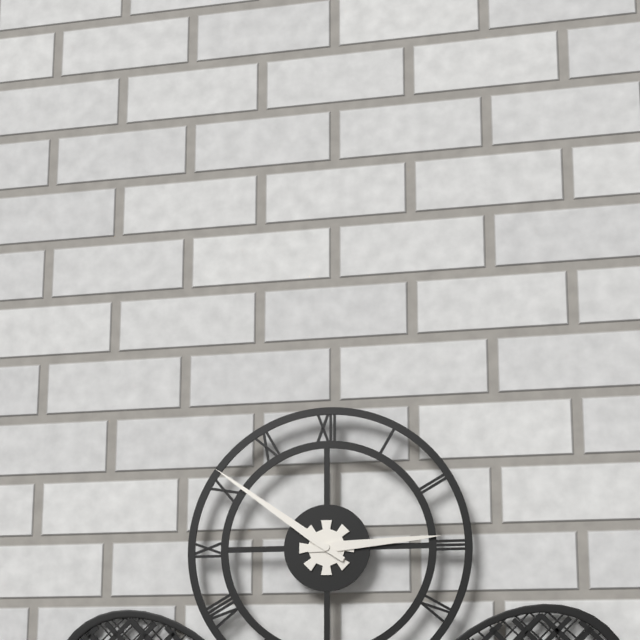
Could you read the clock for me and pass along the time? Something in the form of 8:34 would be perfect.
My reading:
2:51
